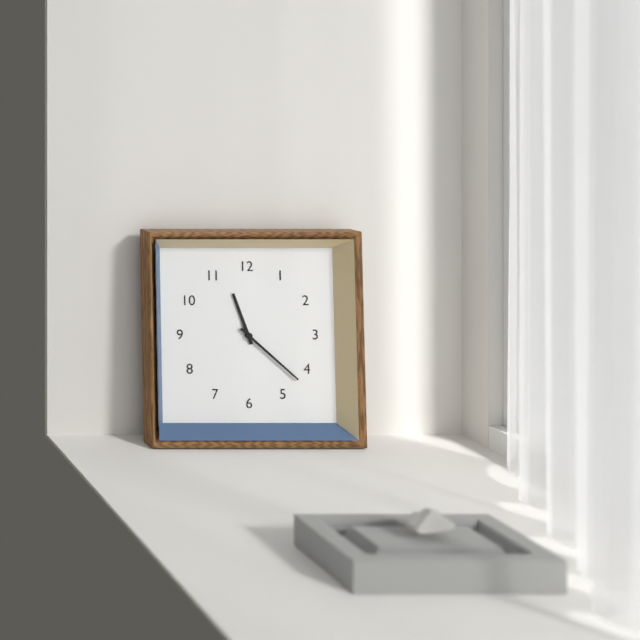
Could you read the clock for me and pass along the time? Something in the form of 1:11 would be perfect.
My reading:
11:22
